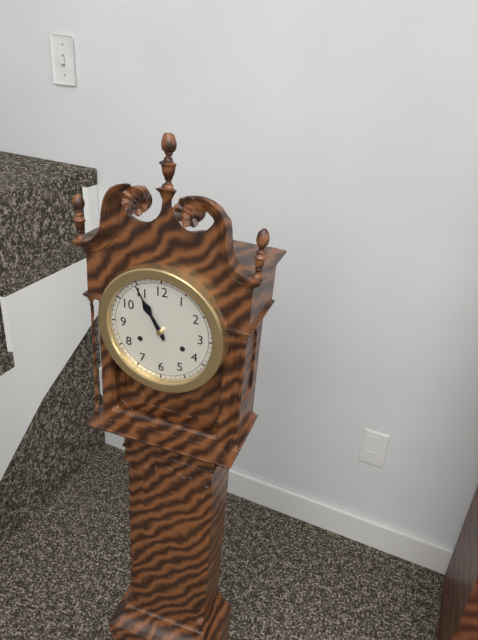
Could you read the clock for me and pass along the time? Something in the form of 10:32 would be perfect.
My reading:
10:55
